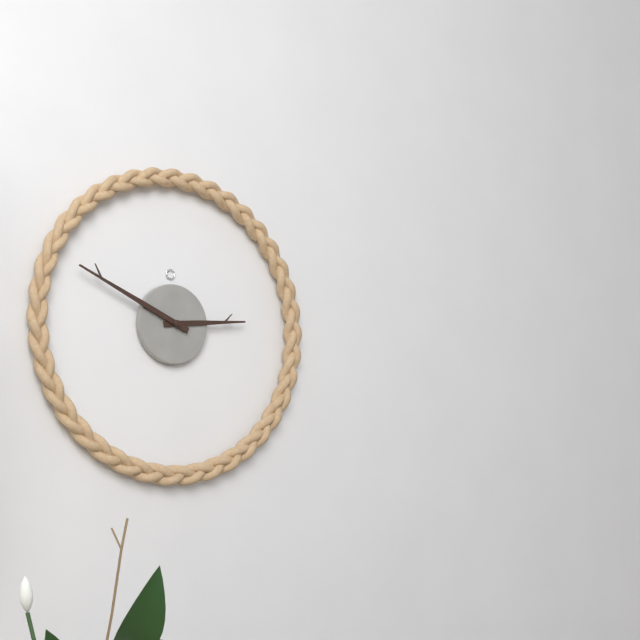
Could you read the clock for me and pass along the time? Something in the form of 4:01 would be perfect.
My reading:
2:49
